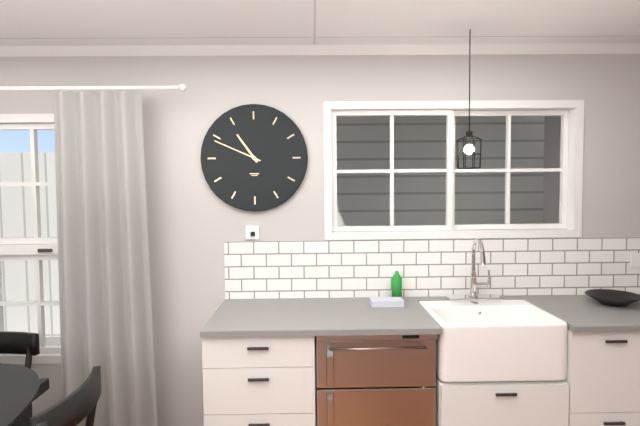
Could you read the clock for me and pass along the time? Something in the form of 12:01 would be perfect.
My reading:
10:49
